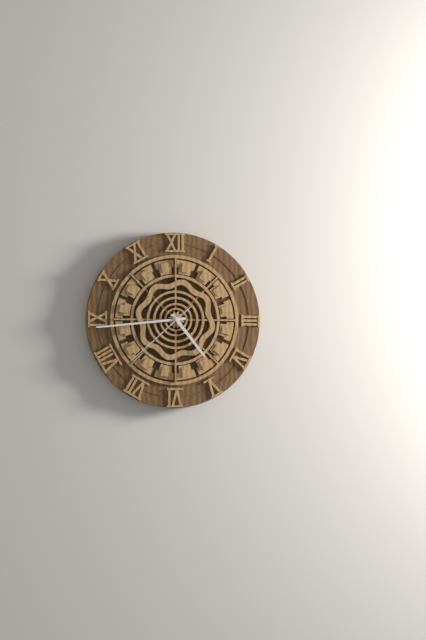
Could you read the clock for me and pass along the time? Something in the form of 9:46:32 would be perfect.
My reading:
4:44:38
